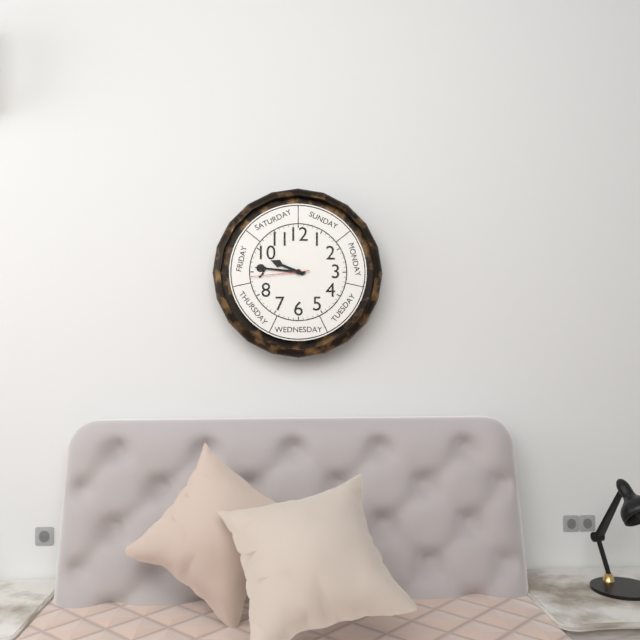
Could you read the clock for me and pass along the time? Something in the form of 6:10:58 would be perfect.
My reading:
9:46:44
